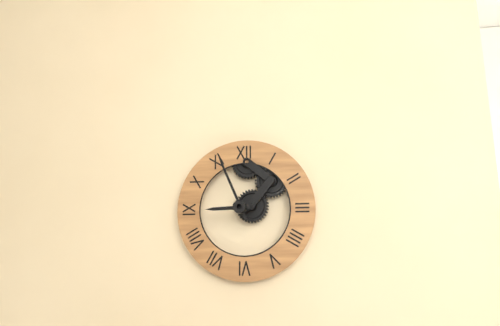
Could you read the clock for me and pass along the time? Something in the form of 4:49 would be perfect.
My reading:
8:56
